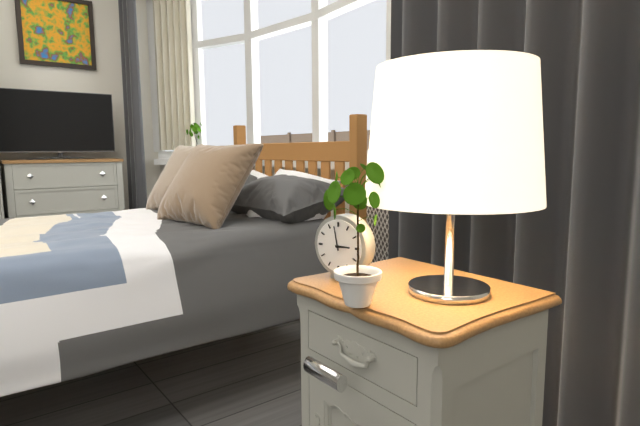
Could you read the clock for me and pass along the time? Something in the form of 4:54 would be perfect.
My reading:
2:58
